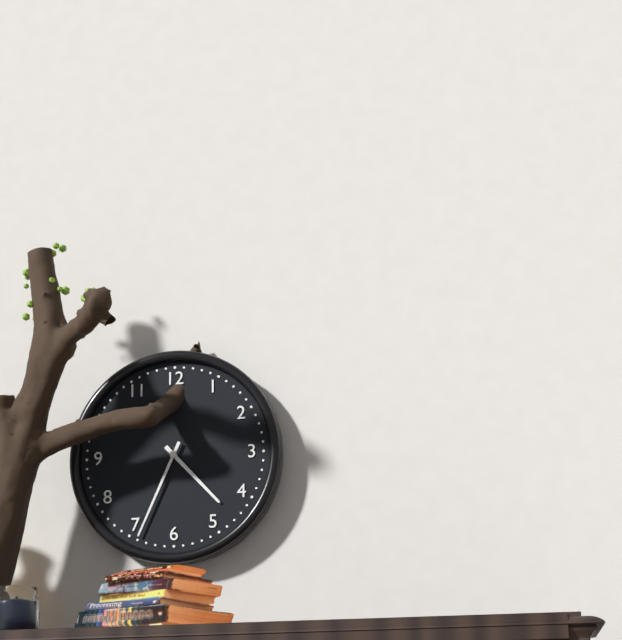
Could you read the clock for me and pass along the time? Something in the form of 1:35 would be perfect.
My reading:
4:34
